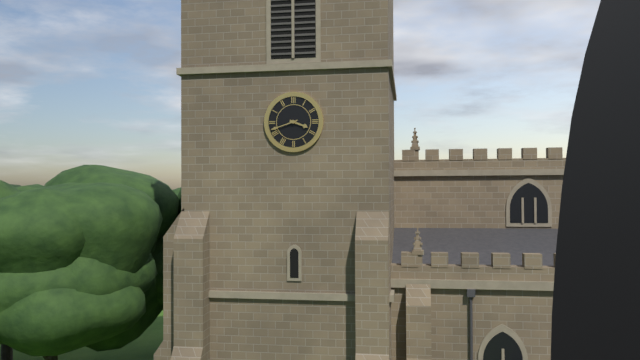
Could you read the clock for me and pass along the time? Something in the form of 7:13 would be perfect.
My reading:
3:42
